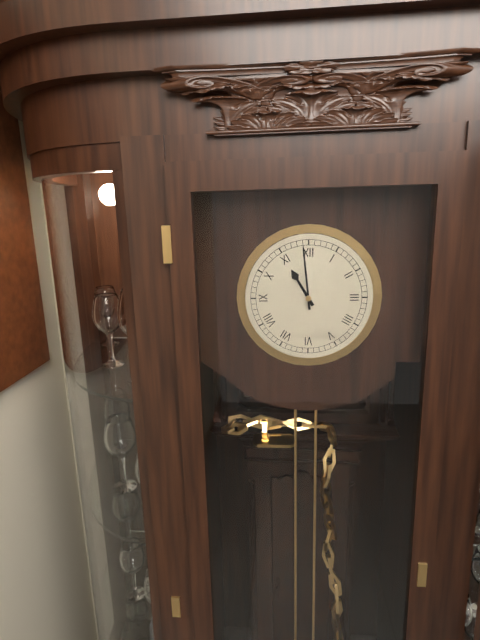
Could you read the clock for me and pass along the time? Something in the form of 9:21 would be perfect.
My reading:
10:59
